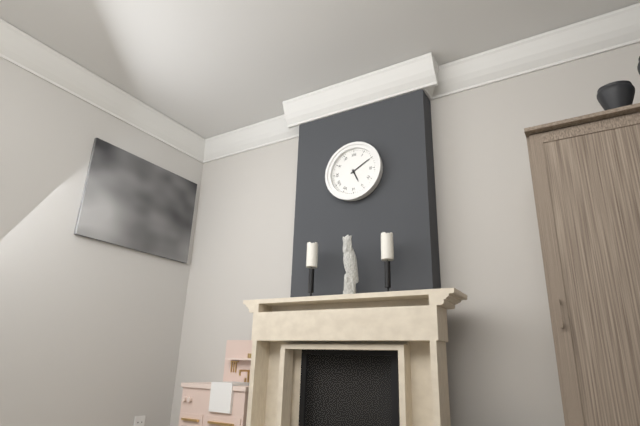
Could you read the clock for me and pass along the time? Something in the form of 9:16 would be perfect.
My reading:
5:10
